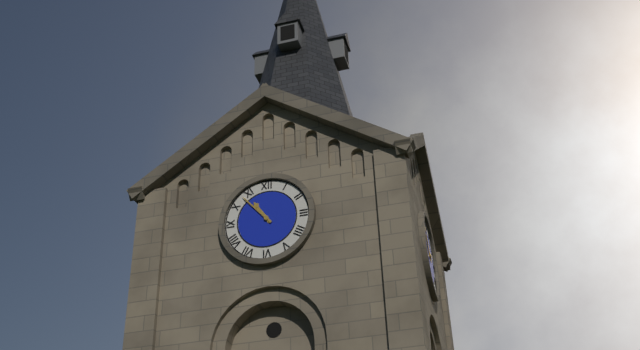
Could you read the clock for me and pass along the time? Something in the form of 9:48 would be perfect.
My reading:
10:53
